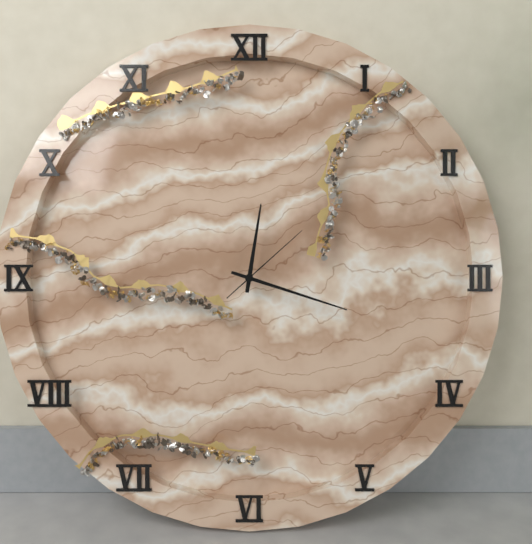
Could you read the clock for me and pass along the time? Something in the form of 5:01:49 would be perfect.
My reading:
12:18:08
